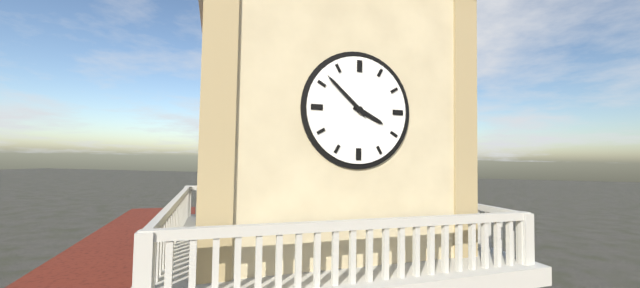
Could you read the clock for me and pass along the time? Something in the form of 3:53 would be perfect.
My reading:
3:52
